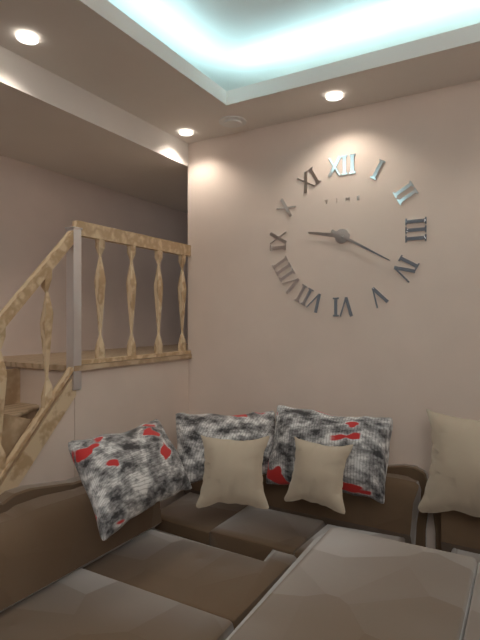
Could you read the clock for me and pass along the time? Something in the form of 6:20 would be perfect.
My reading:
9:20
